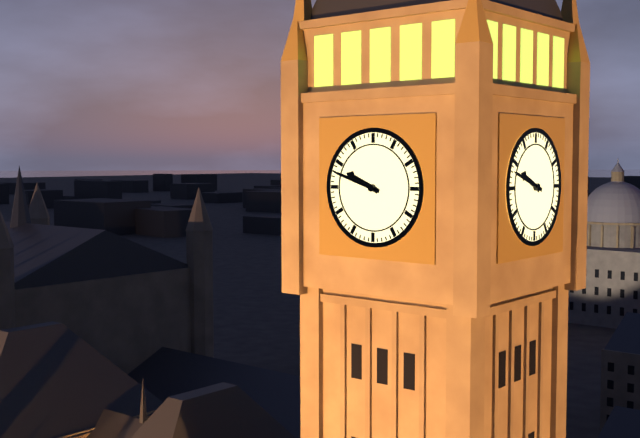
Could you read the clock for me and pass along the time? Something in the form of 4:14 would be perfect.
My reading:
9:48
